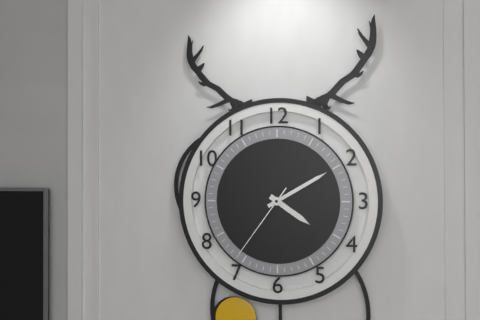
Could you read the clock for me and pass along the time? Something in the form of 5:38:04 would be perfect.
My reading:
4:10:36
